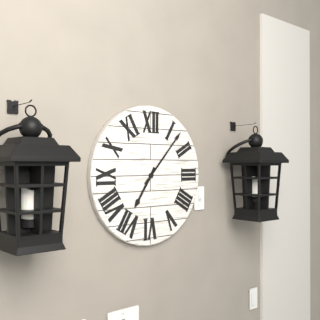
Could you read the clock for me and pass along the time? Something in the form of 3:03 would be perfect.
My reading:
7:07
